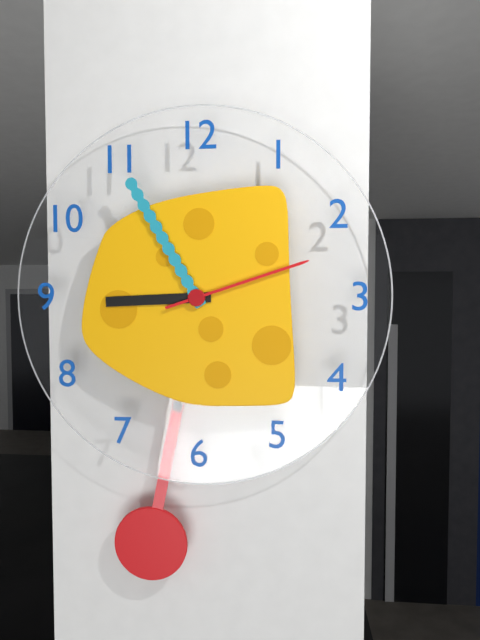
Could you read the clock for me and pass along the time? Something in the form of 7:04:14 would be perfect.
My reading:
8:55:12
